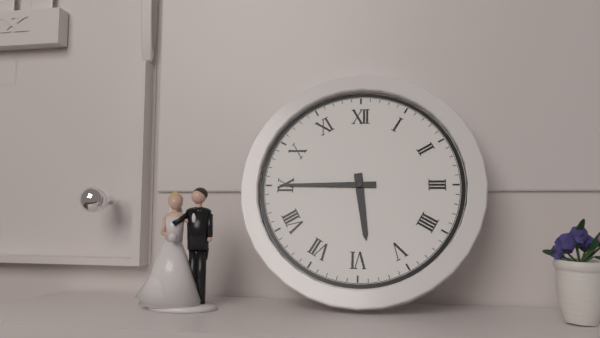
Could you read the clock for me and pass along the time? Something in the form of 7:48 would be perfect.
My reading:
5:45
